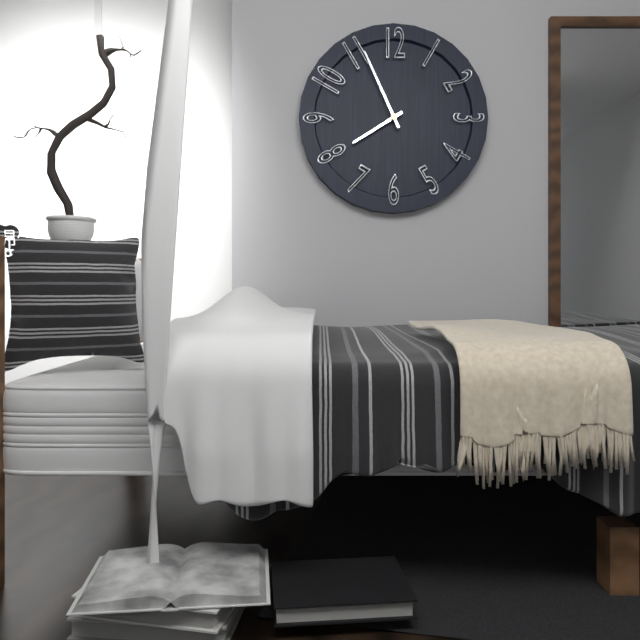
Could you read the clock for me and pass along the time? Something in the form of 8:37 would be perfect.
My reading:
7:56
